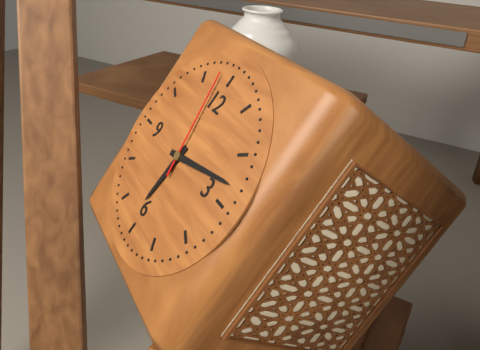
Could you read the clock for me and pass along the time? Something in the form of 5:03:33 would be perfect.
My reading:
6:13:58
